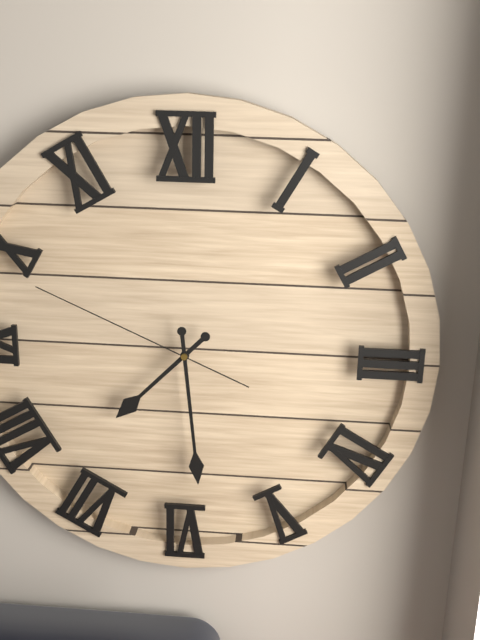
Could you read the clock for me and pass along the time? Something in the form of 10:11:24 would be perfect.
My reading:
7:29:49
